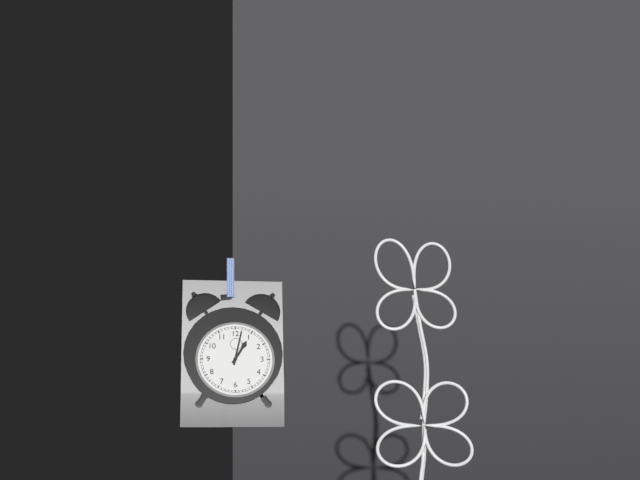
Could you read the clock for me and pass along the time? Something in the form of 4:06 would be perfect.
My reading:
1:02
